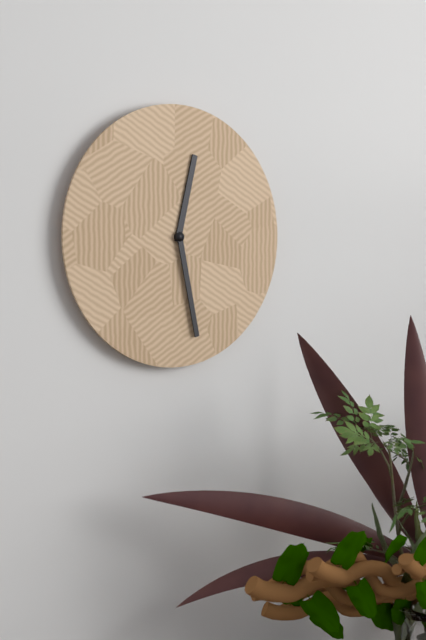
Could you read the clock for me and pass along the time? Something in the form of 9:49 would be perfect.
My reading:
12:28
